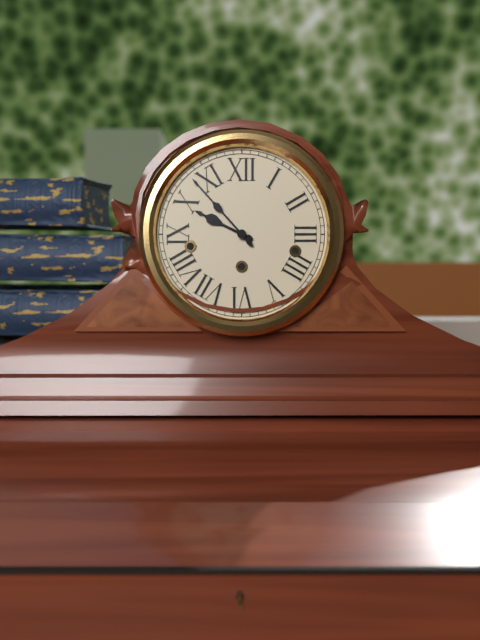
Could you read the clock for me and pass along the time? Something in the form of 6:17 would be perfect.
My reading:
9:53
